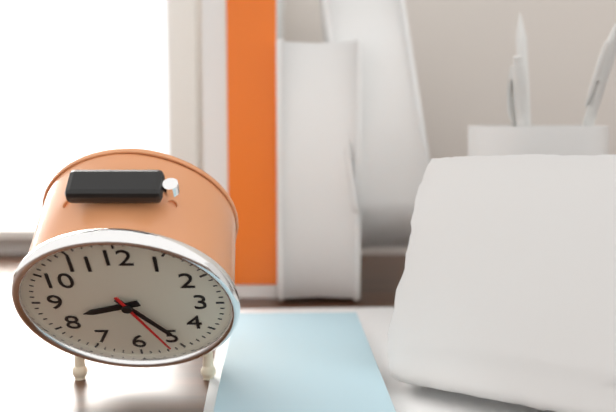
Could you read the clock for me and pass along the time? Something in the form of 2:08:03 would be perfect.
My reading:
8:24:26
